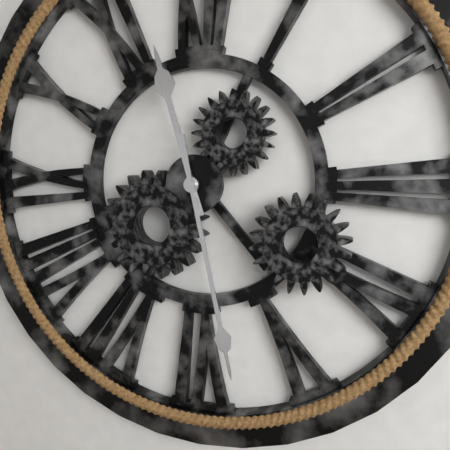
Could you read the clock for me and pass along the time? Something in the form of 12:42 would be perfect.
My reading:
11:28
